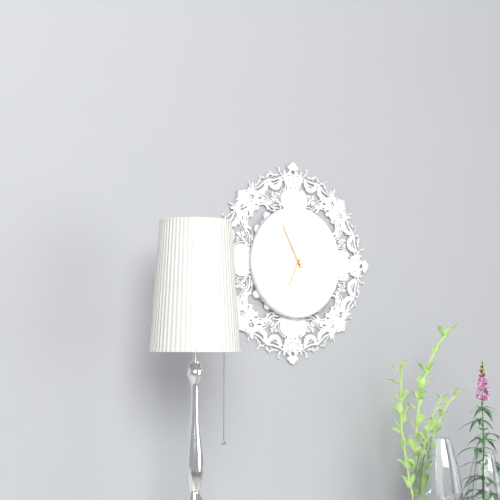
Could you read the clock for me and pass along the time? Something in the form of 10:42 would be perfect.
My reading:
6:55
